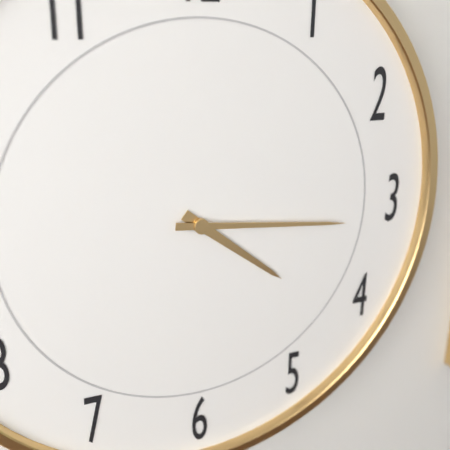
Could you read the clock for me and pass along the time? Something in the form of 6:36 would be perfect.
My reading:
4:16
